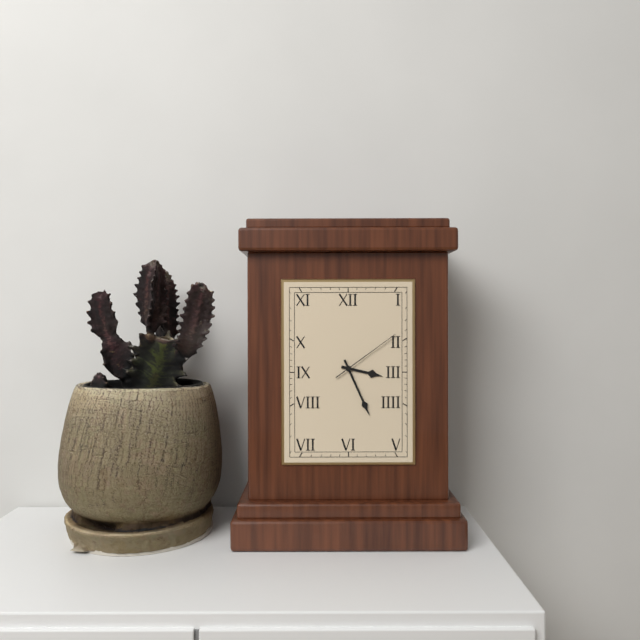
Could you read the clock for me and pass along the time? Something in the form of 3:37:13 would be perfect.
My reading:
3:26:09
